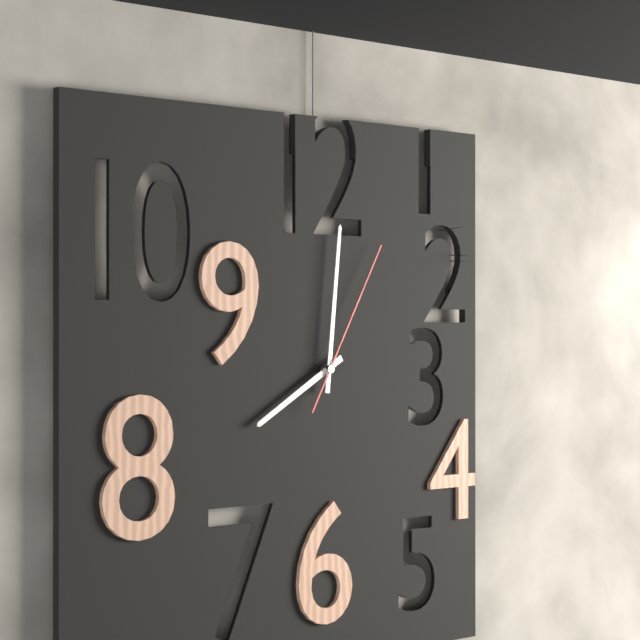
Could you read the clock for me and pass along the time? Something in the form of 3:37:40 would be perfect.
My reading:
8:01:05
